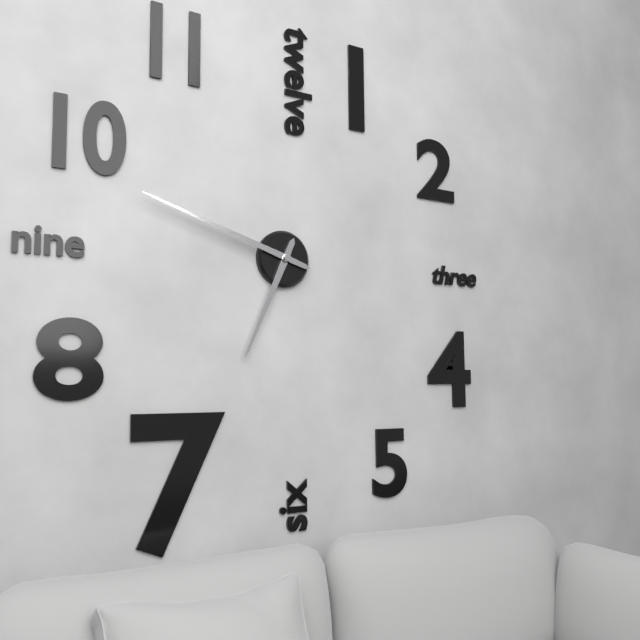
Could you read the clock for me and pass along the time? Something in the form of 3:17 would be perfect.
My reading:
6:48
